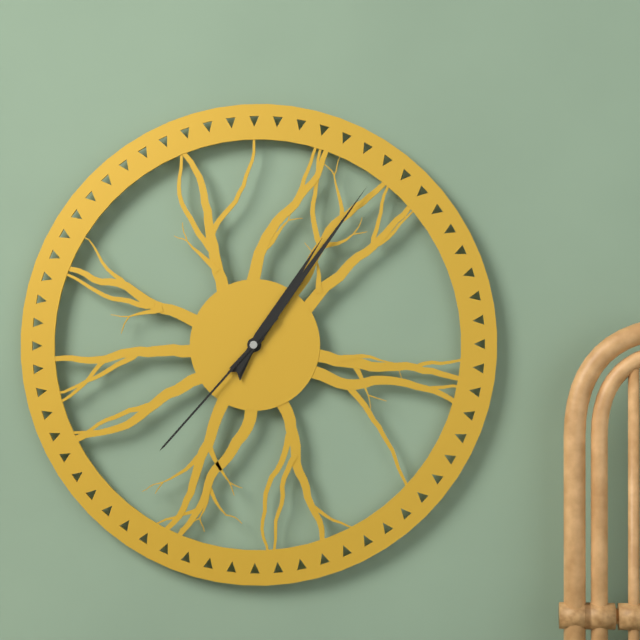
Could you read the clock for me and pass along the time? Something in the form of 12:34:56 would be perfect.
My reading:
1:06:37
